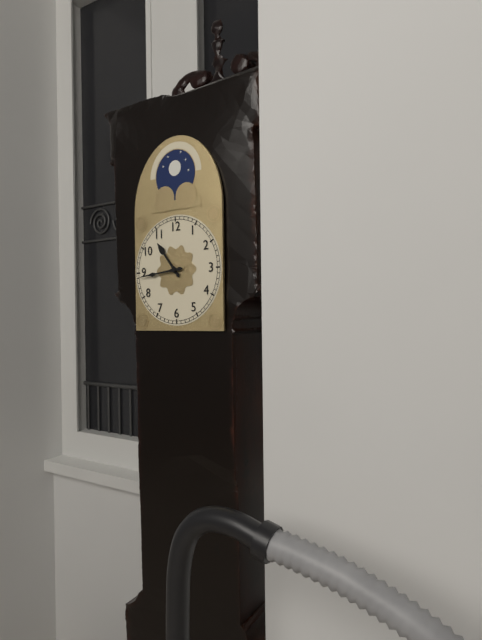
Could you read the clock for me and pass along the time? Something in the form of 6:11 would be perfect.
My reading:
10:44
